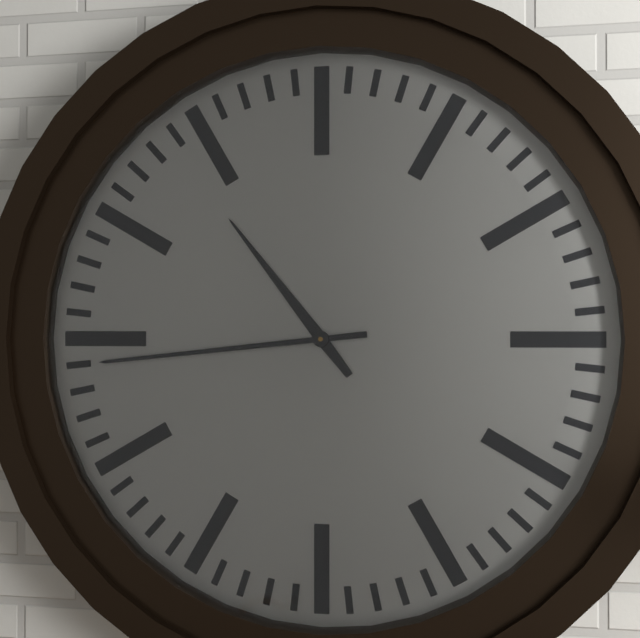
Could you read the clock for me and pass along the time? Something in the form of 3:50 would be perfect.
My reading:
10:44
